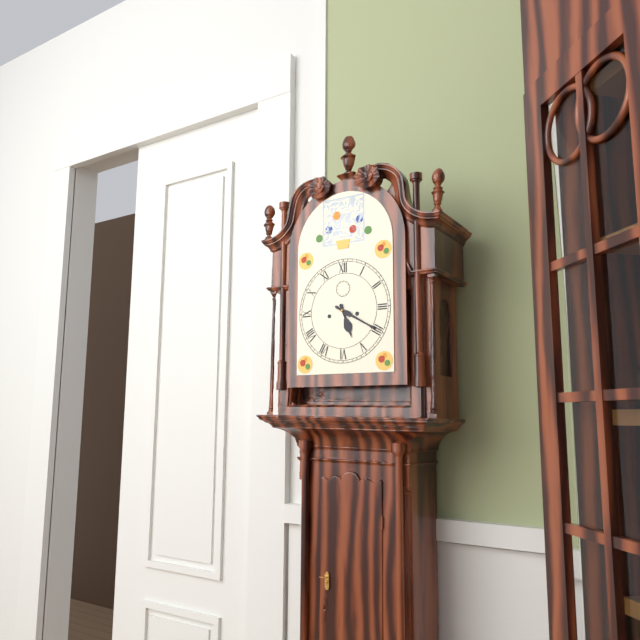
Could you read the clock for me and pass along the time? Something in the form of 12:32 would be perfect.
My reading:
5:20
